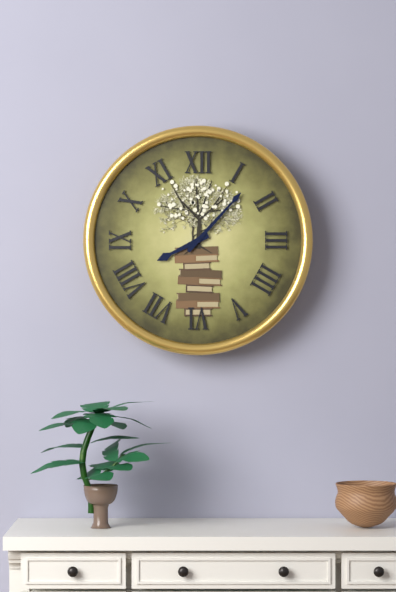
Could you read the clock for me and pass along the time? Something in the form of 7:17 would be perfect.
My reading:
8:07
